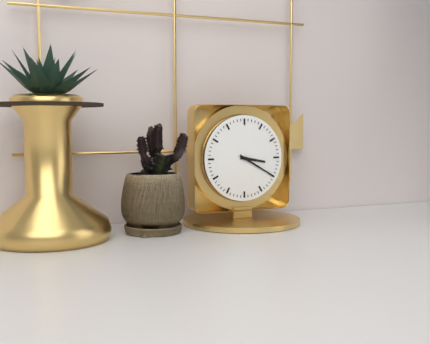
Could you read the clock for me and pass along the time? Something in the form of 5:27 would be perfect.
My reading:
3:20
